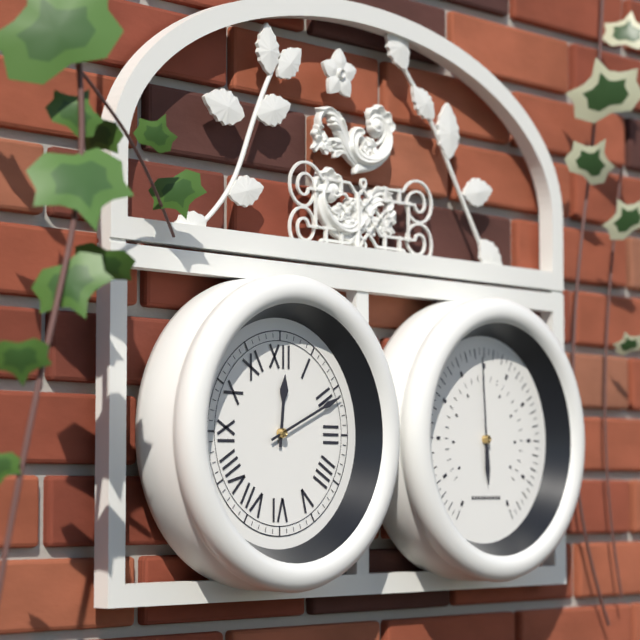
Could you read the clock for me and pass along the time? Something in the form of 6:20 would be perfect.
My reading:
12:11
